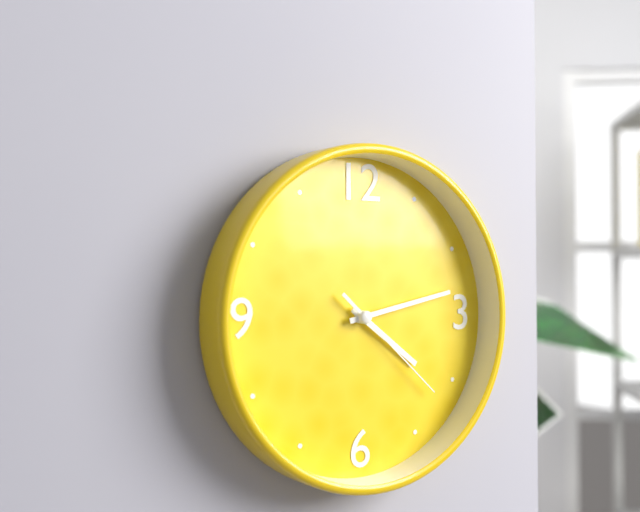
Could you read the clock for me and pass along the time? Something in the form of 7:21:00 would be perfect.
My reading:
4:13:22
